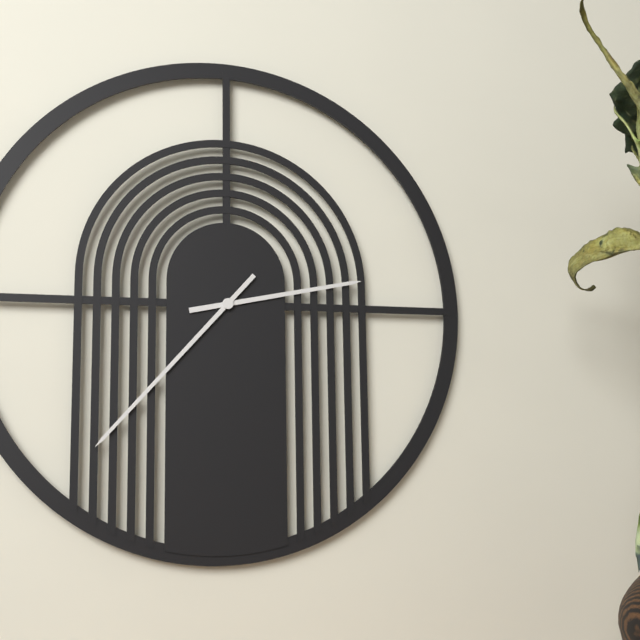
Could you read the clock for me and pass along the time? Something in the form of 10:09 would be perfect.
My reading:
2:37
